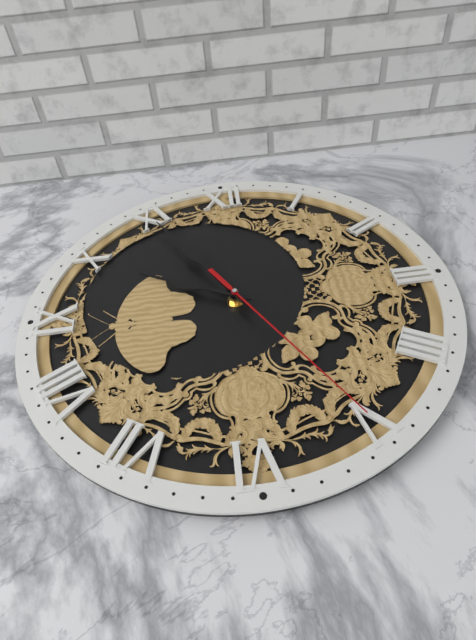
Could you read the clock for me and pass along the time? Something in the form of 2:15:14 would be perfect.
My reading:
9:55:25
